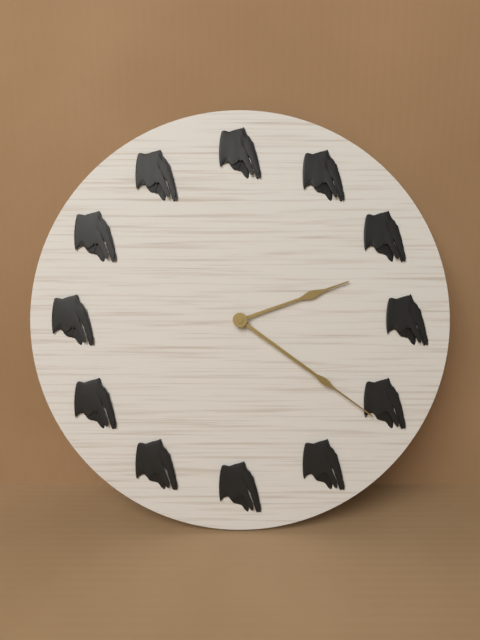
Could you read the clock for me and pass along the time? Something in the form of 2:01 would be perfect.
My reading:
2:21
